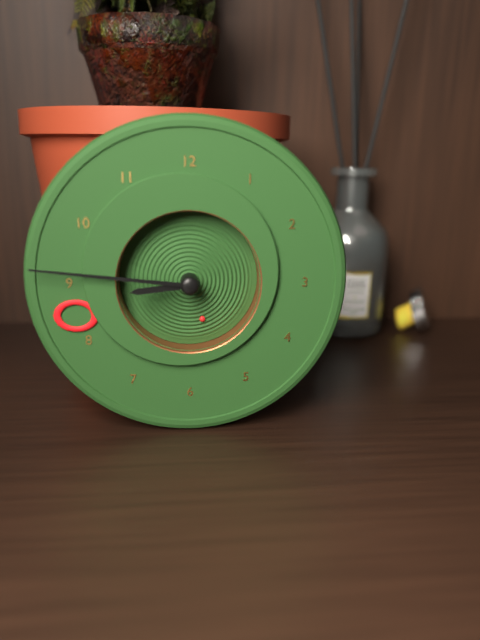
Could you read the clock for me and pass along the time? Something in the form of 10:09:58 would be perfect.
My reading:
8:46:27
